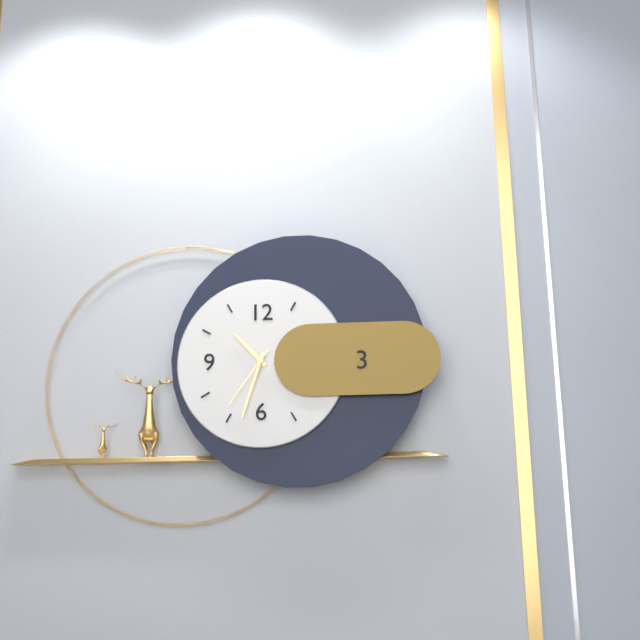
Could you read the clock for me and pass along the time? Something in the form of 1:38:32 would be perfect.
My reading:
10:33:36
